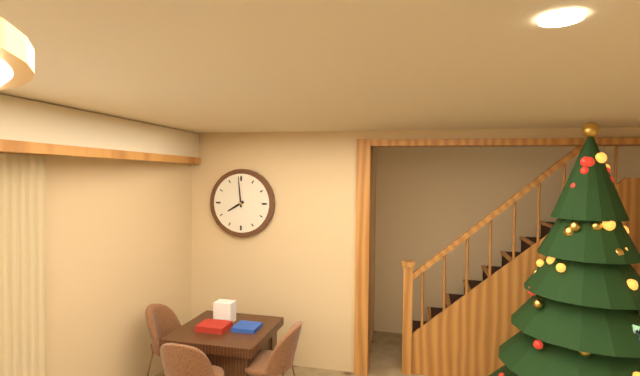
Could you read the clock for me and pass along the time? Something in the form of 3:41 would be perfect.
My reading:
7:59
